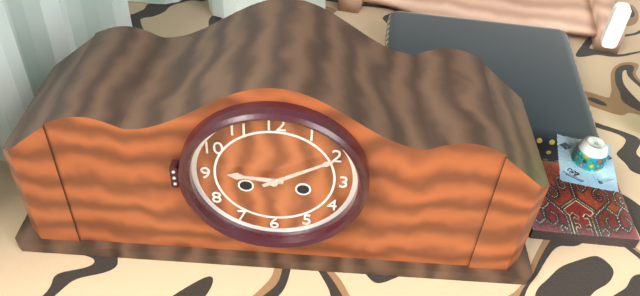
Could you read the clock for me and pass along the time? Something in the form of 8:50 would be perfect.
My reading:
9:10
